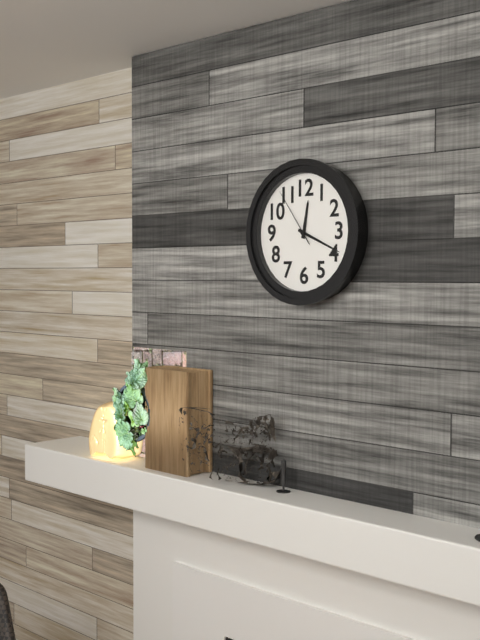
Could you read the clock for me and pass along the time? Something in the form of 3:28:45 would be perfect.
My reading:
12:19:54
